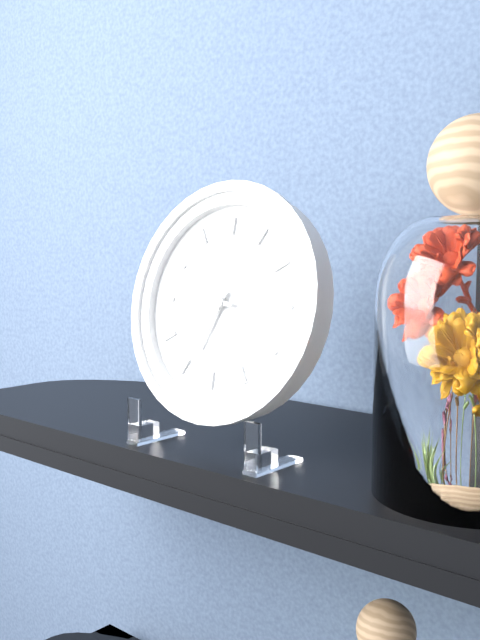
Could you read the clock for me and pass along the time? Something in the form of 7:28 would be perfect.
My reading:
6:46
